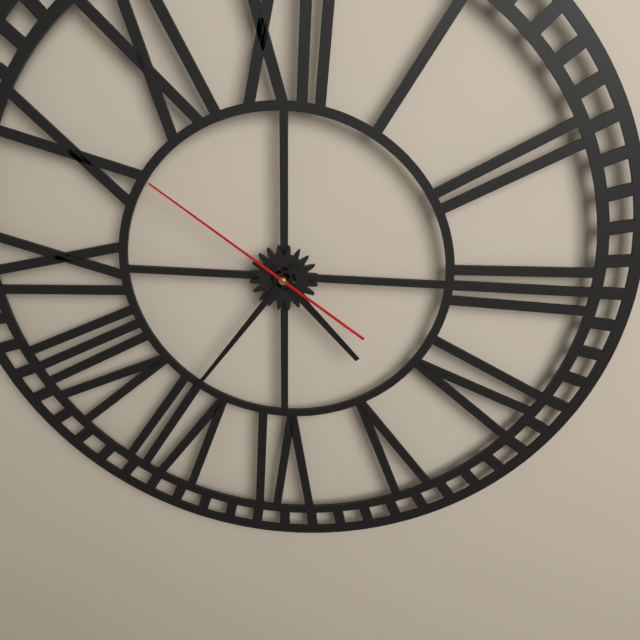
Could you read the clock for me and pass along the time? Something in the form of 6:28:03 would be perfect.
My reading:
4:36:51
